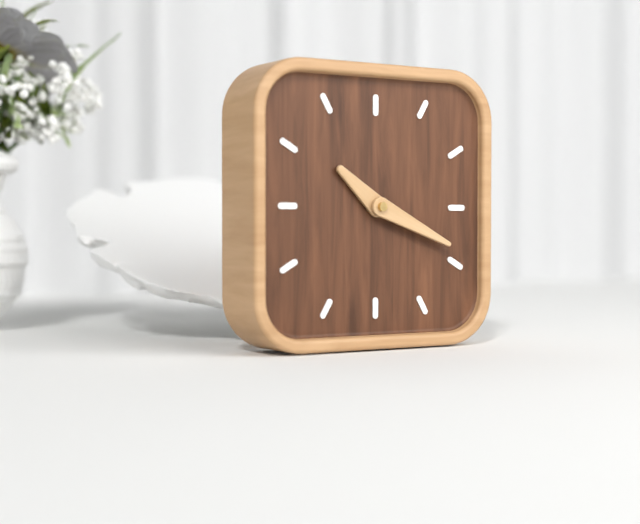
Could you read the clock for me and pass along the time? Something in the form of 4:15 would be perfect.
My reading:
10:19
